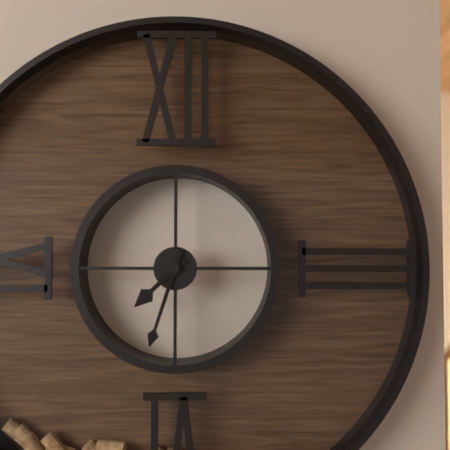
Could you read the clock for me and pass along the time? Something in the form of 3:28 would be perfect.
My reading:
7:33
